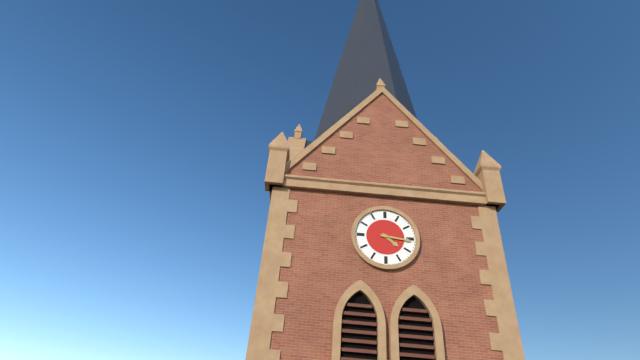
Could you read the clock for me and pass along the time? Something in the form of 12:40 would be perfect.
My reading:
4:16
